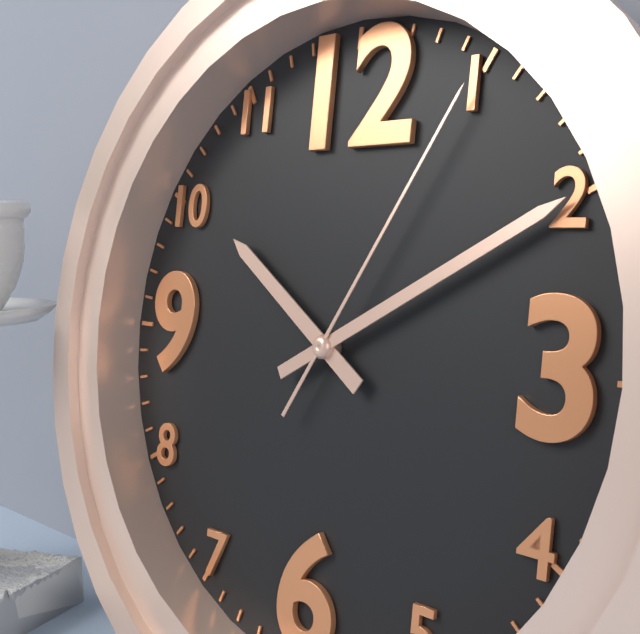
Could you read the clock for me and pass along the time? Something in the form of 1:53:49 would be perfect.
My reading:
10:10:05
